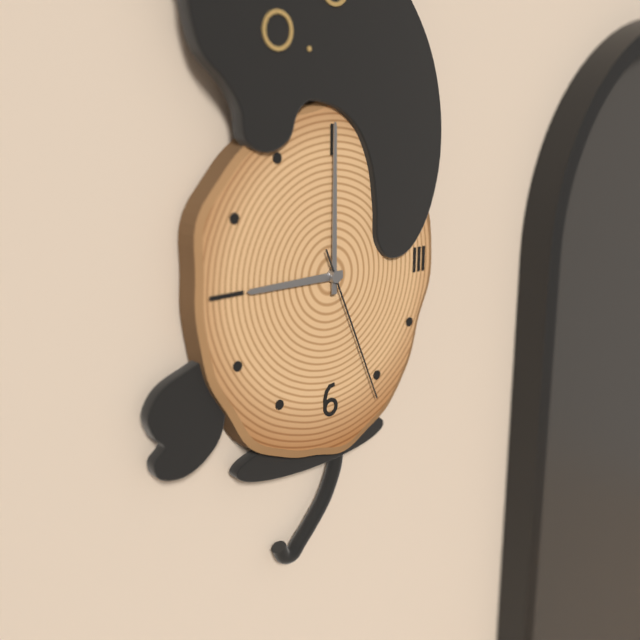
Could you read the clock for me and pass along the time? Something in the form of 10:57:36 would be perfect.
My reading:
9:00:26
